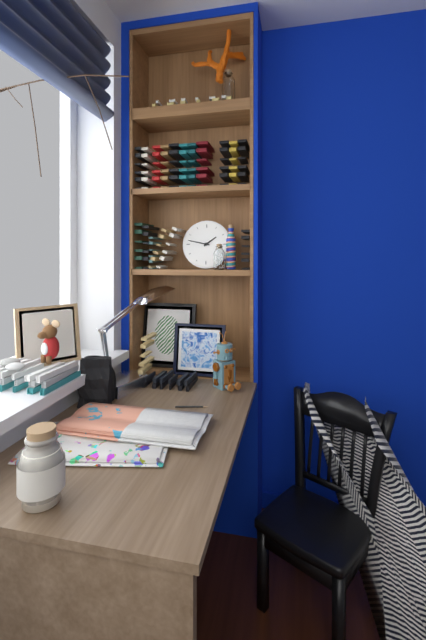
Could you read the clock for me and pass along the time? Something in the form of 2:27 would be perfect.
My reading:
1:47
